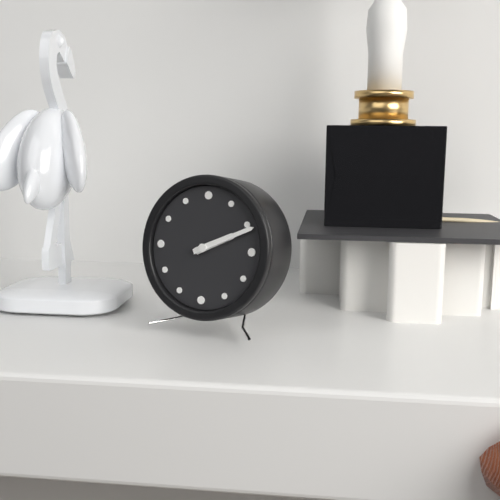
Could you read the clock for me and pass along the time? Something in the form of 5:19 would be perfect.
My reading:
2:11
